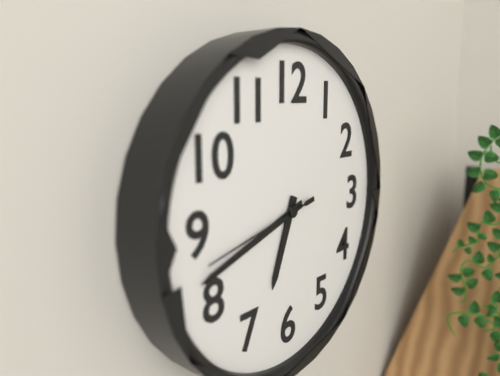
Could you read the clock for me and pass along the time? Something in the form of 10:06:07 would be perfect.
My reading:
6:42:43
